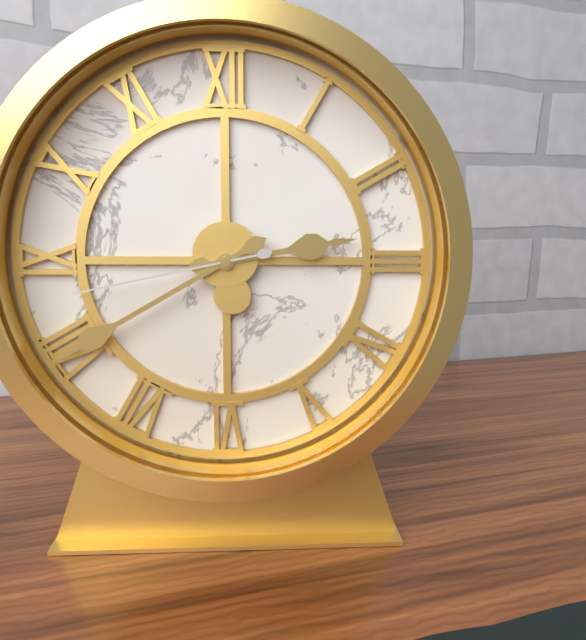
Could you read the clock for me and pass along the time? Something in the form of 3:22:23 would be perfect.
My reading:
2:40:43
